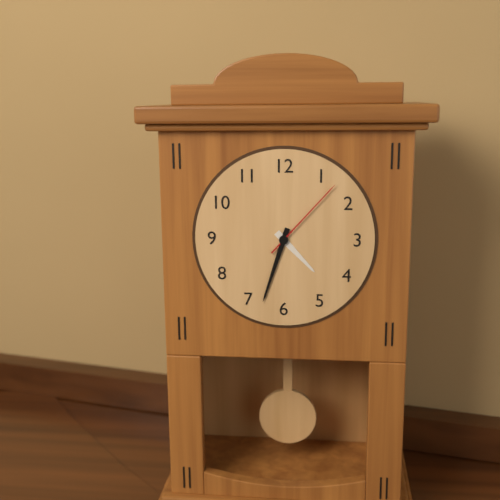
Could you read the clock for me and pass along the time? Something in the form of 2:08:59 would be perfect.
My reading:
4:33:07
